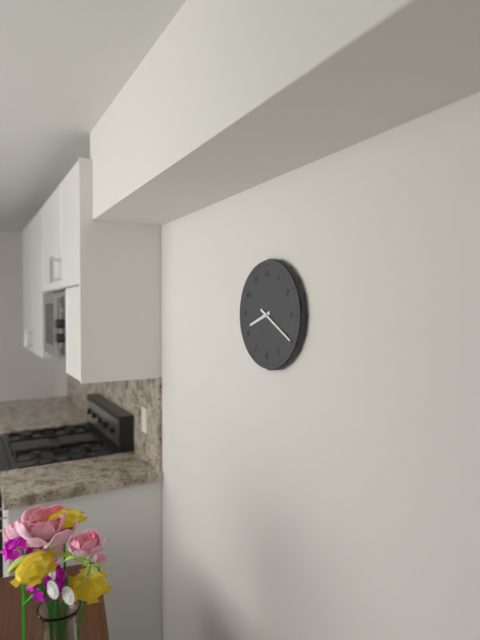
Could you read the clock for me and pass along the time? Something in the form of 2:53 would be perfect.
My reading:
8:20
